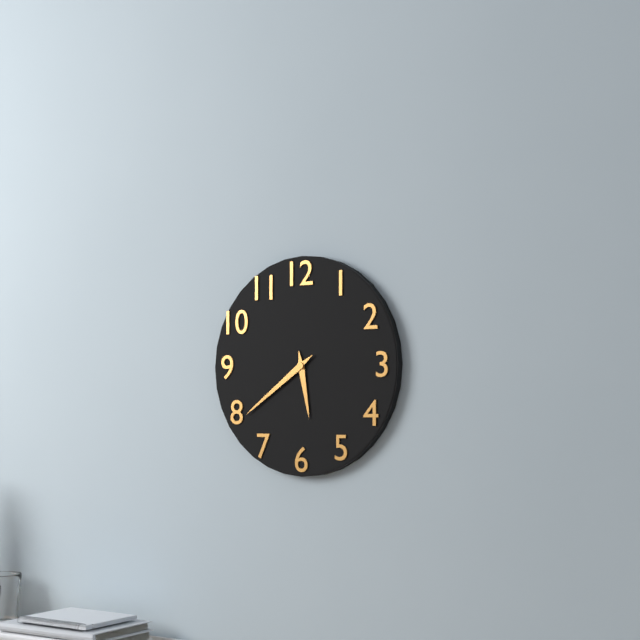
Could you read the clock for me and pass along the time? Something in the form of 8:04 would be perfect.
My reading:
5:39
